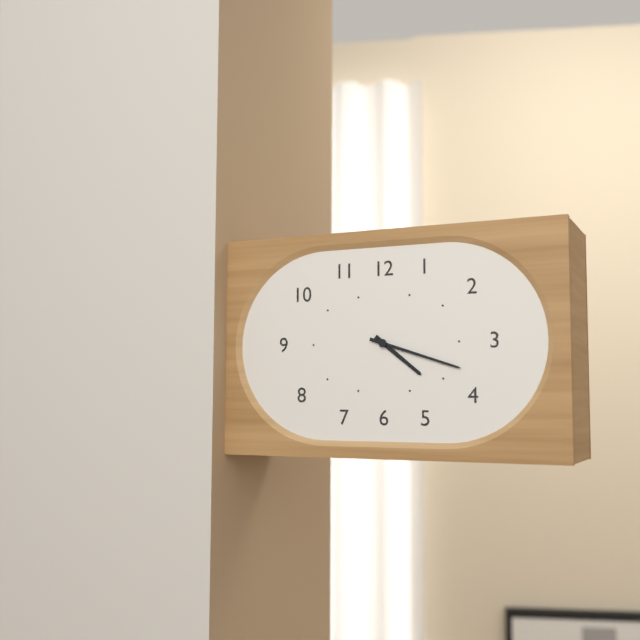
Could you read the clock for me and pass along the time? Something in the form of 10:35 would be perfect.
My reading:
4:18
